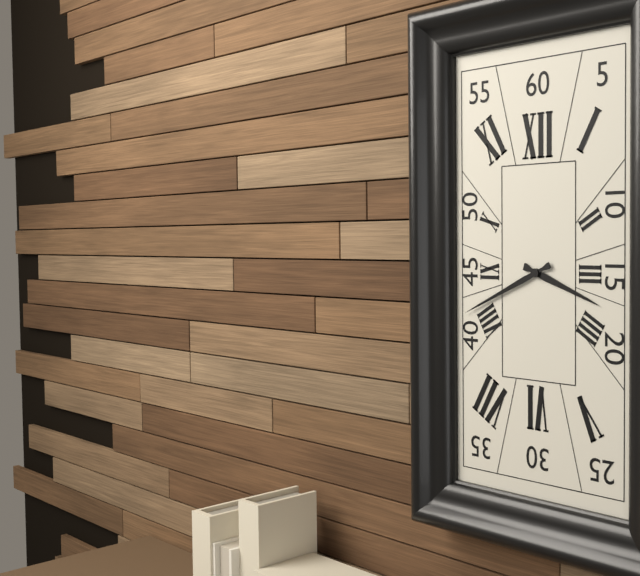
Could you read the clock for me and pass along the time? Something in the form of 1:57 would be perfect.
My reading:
3:41
